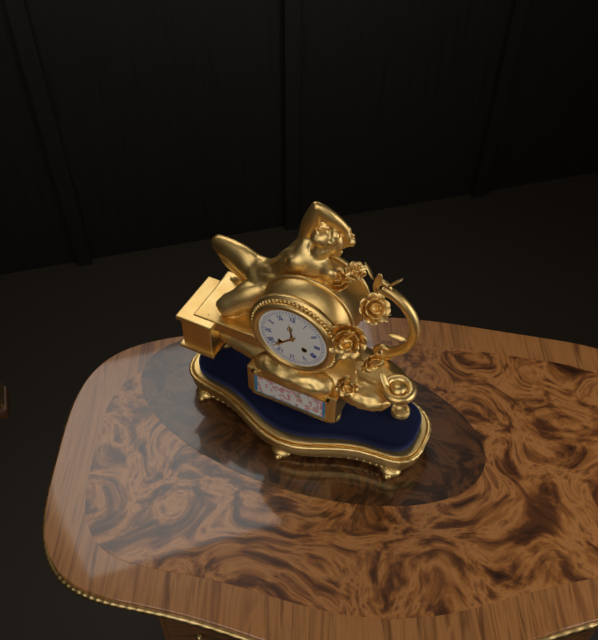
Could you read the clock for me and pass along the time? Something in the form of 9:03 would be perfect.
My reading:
11:38
